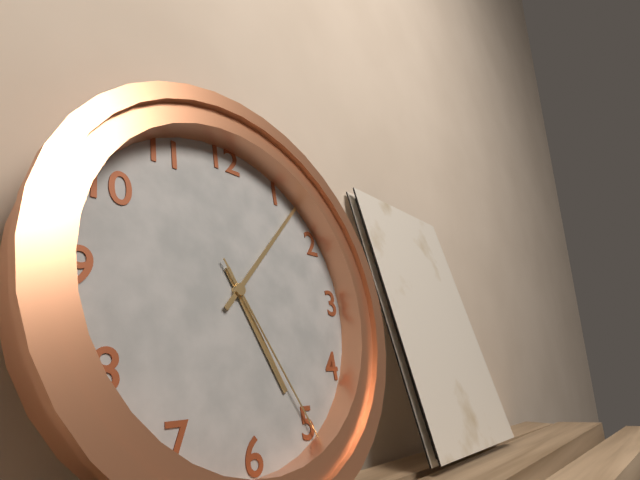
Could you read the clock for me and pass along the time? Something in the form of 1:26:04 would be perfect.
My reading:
5:07:25
